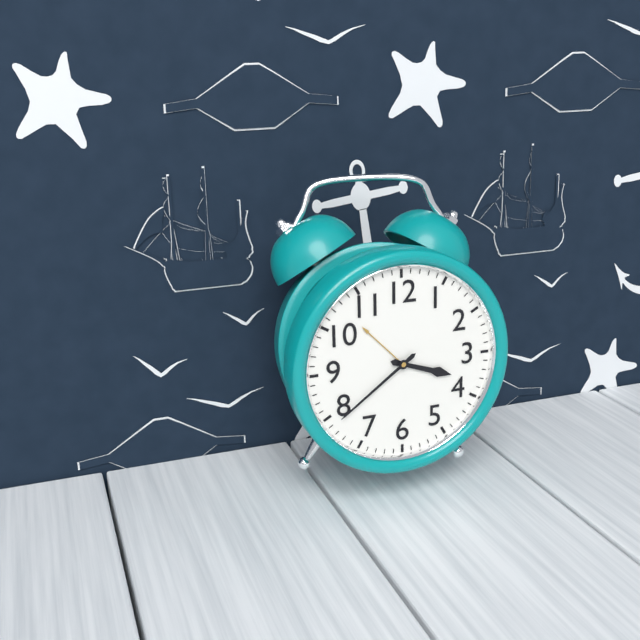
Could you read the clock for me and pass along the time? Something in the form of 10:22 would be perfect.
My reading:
3:39
